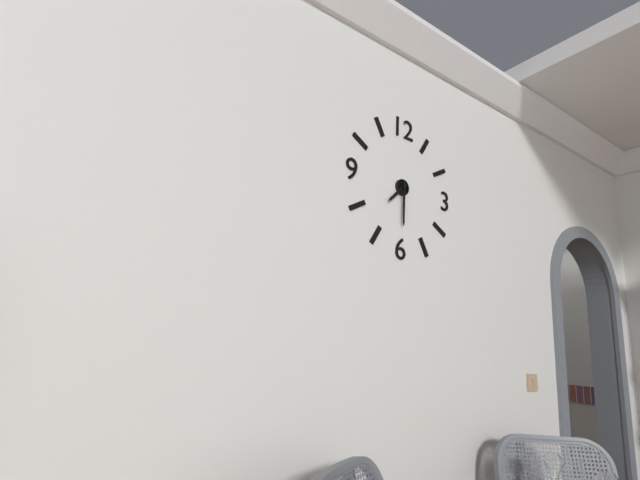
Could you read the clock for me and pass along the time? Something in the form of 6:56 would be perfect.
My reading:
7:30
